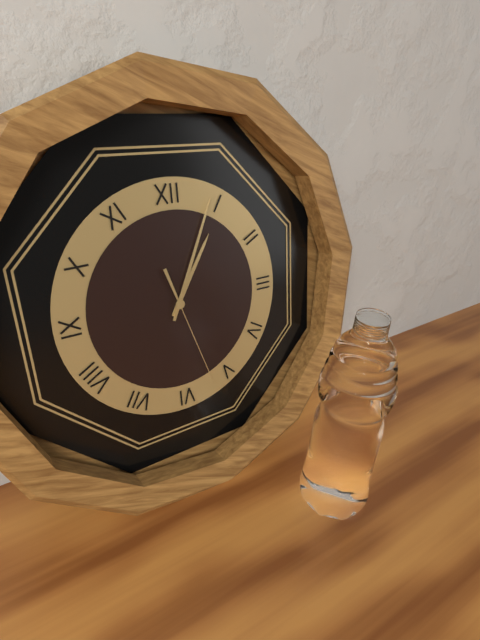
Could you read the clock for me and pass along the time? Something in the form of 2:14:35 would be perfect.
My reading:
1:04:27
